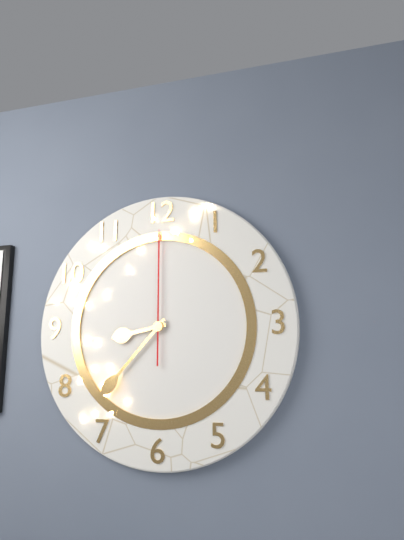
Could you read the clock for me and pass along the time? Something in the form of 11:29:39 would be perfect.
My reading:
8:37:00
